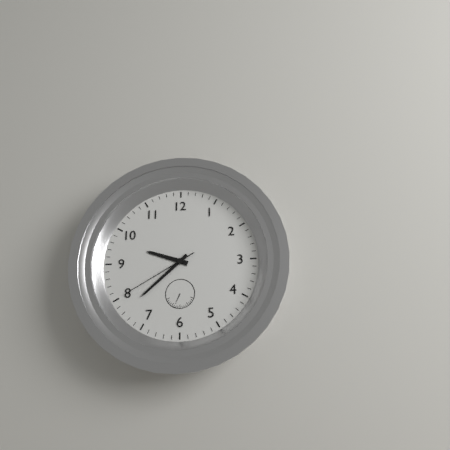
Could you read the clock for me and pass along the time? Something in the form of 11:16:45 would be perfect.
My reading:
9:38:40
